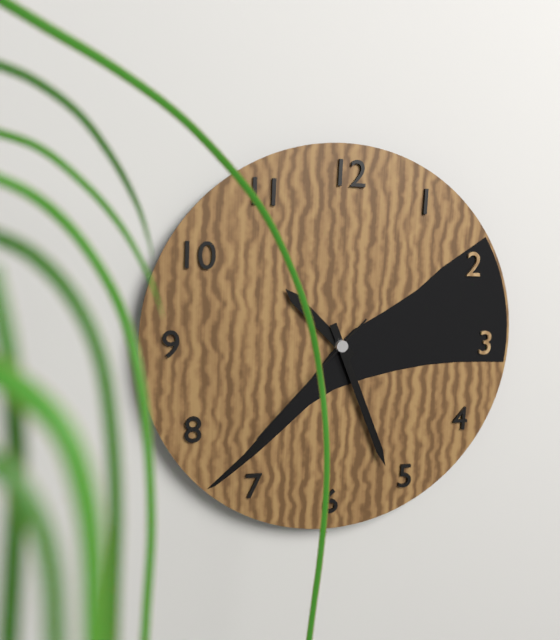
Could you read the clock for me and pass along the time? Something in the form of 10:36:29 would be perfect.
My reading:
10:26:37
